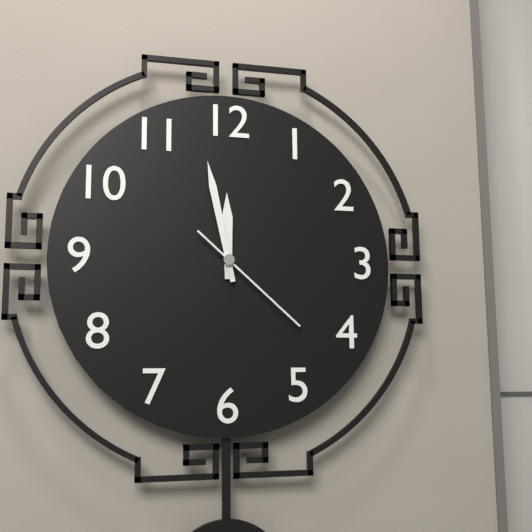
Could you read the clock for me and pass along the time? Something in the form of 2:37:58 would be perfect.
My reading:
11:58:22
